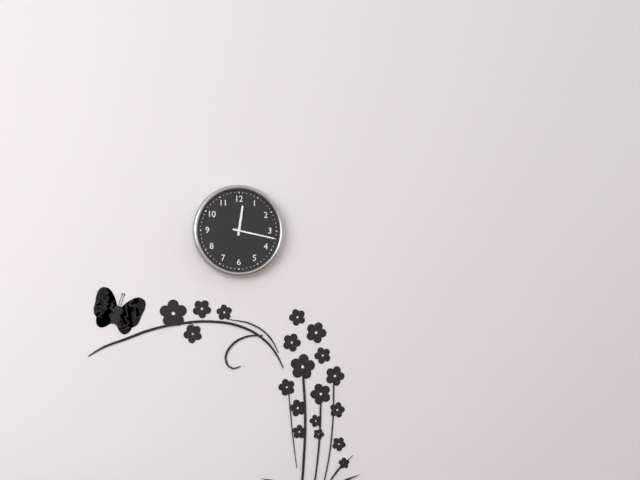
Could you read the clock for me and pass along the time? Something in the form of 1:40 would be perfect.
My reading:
12:17
